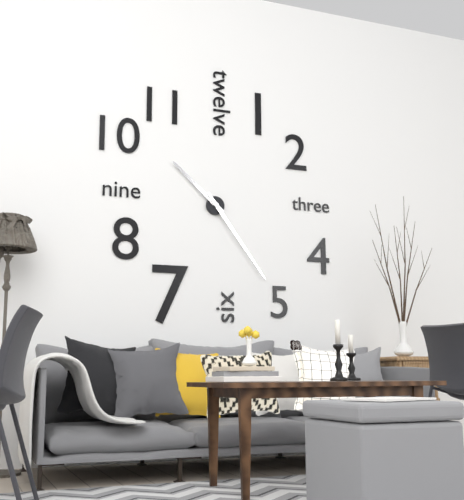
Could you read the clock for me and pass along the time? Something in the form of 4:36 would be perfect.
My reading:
10:24
